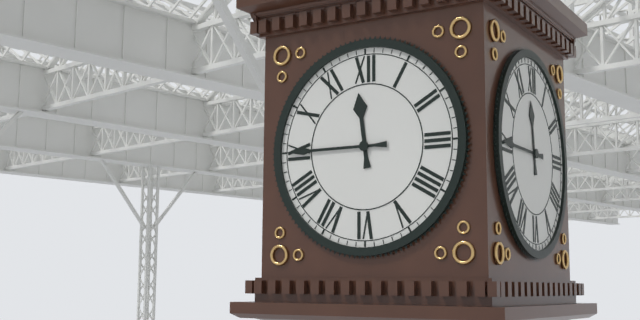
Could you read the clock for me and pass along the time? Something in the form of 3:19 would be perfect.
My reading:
11:45
